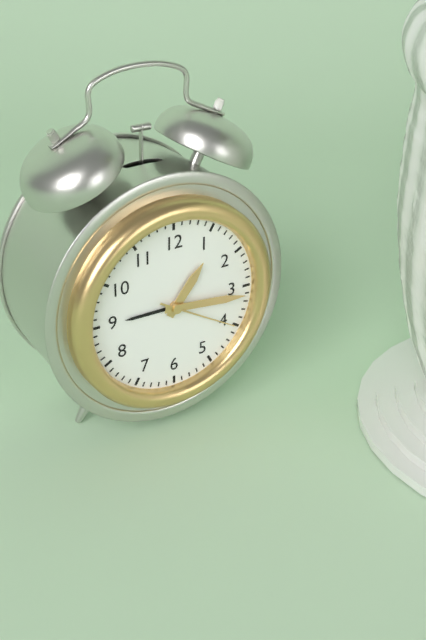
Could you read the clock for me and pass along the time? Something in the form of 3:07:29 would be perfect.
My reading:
1:16:20
